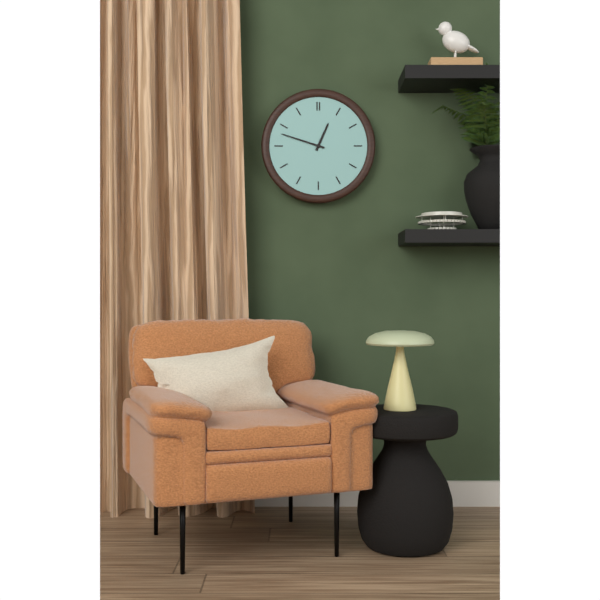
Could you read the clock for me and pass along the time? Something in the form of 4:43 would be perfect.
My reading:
12:48
